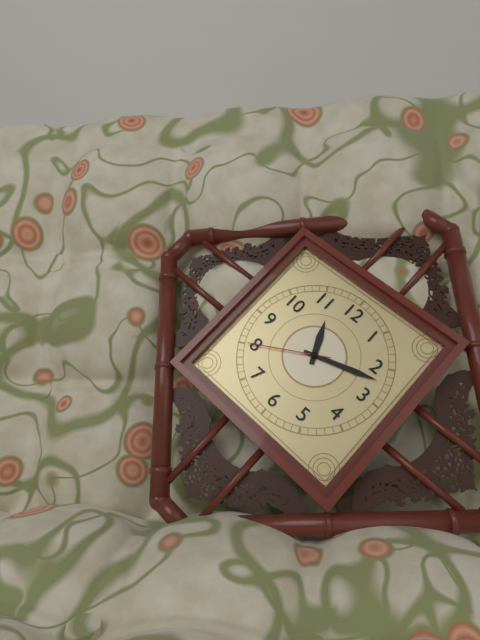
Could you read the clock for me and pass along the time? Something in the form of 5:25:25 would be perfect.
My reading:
11:12:40
